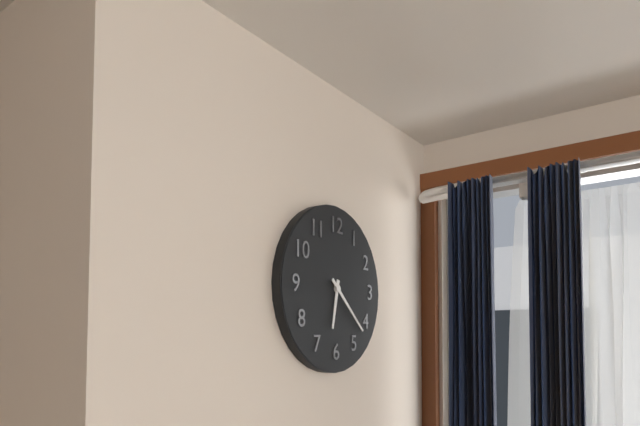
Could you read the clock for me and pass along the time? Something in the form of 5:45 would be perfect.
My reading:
6:22
